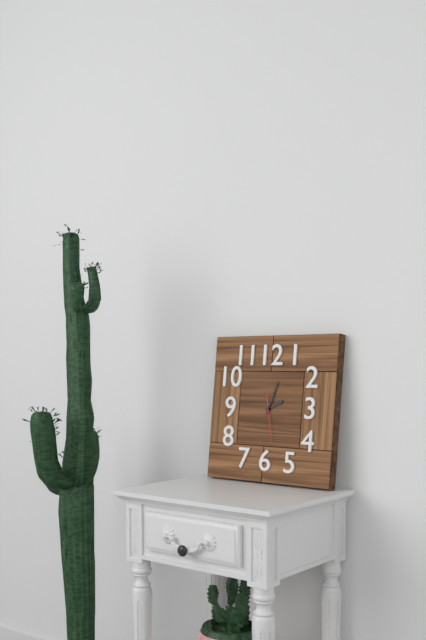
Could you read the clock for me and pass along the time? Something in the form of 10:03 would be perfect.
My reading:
2:03
